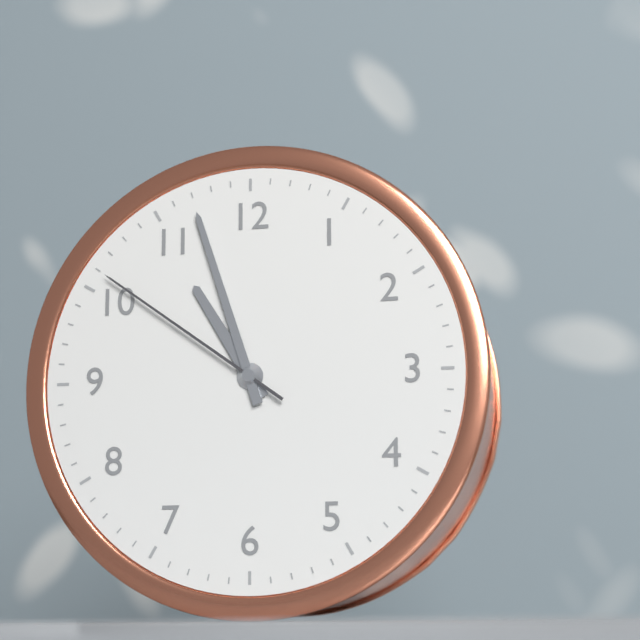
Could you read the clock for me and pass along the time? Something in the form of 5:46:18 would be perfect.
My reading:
10:57:51
